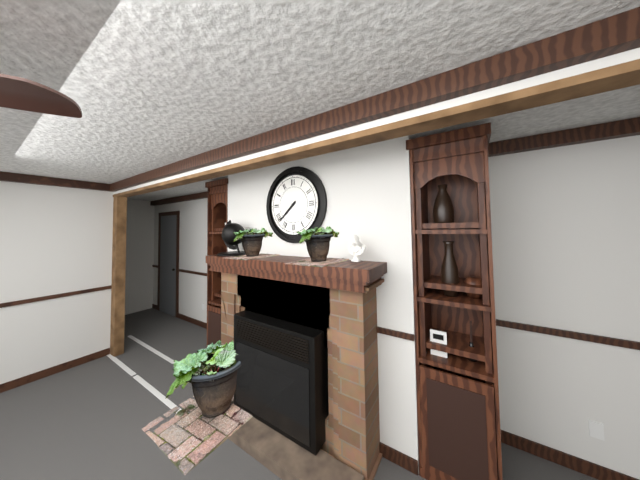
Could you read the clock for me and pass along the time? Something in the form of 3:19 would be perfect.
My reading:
7:38
